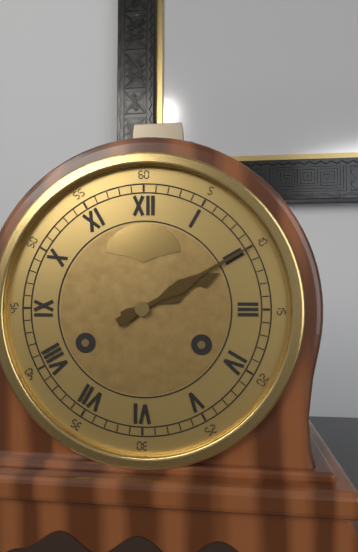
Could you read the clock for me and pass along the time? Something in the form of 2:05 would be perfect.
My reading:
2:10
